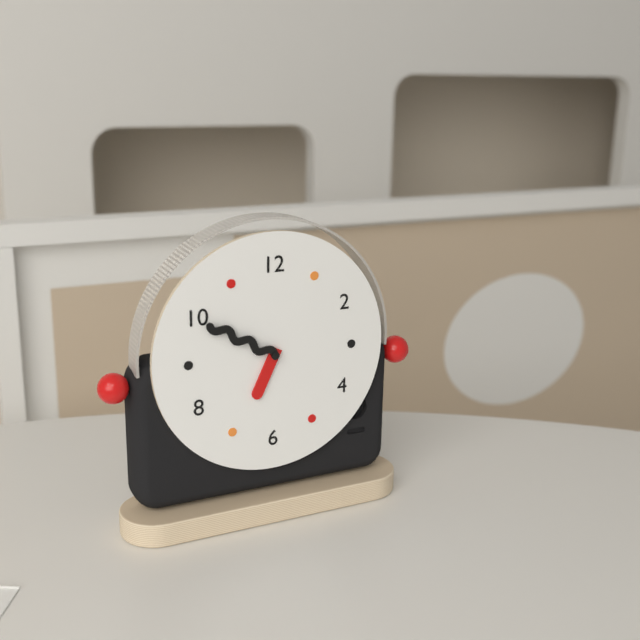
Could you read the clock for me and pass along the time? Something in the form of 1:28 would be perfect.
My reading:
6:50
